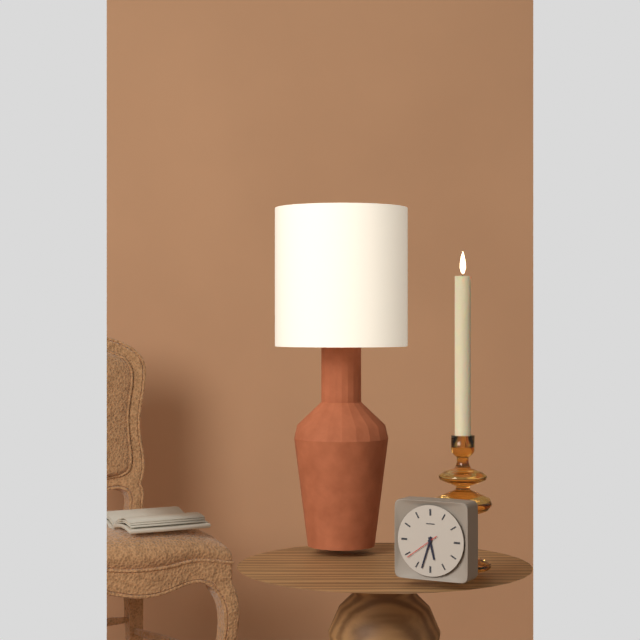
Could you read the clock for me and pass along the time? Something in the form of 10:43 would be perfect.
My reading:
5:33
